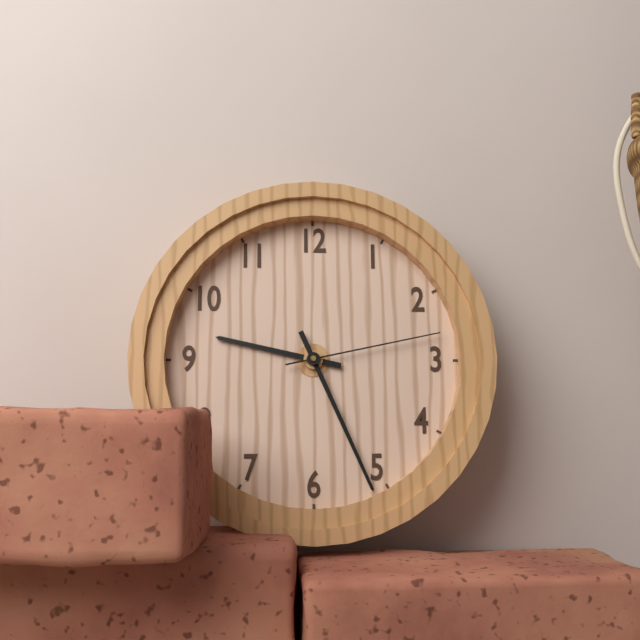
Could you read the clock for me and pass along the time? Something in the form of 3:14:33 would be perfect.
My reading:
9:26:13
